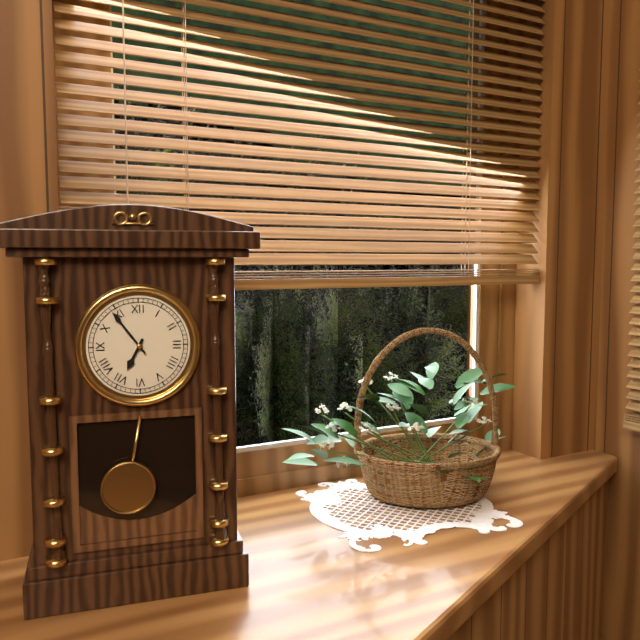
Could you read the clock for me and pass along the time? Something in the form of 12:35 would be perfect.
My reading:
6:54
